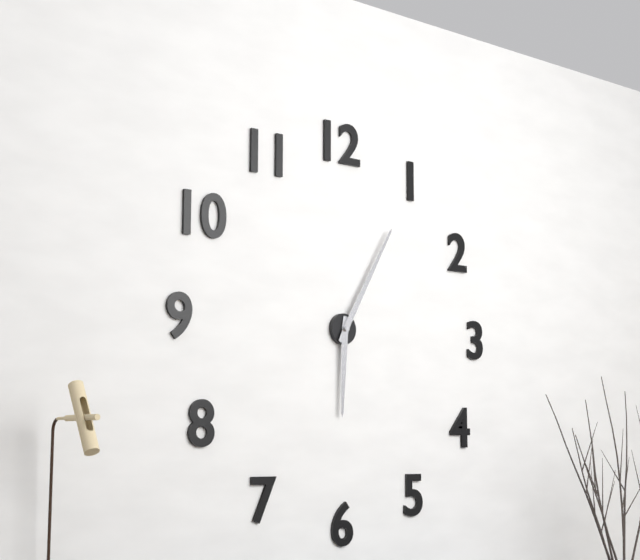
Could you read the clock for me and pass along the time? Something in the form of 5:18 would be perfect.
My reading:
6:05
